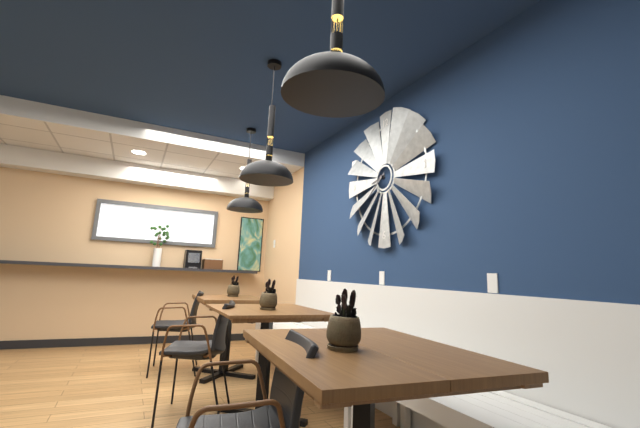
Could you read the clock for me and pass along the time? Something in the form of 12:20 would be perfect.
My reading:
8:39
